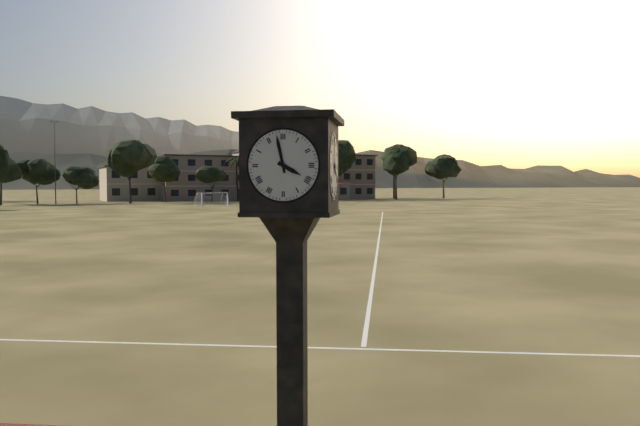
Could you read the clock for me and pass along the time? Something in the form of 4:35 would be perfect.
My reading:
3:58
